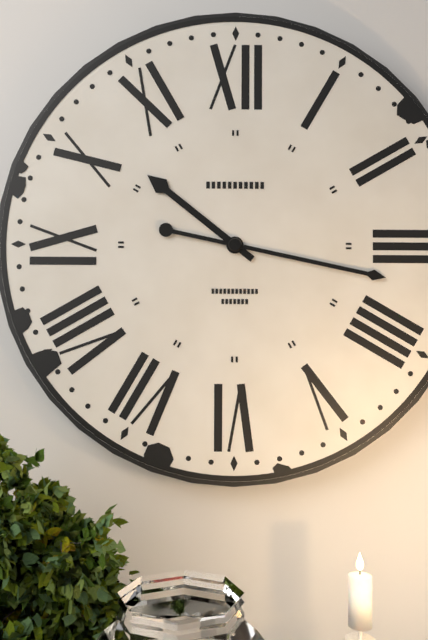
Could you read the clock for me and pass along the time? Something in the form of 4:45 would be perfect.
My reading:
10:17
